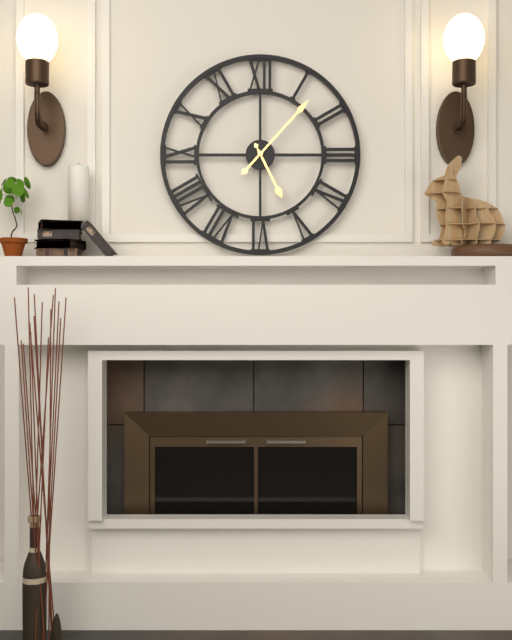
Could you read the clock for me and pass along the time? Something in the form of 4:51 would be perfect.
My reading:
5:07
